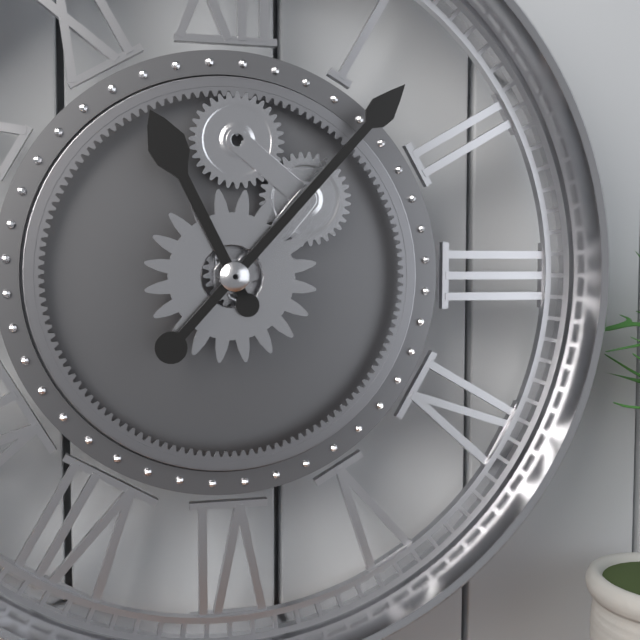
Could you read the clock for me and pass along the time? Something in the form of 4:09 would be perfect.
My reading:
11:07
